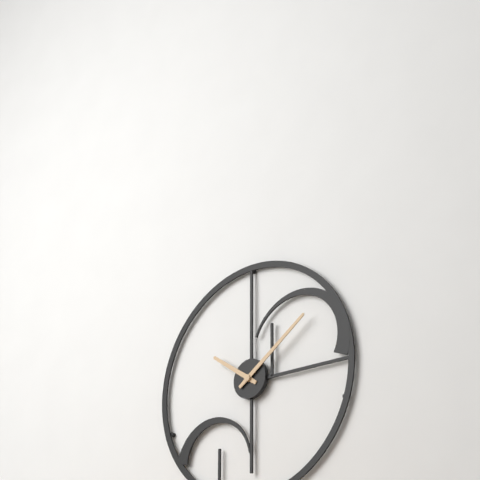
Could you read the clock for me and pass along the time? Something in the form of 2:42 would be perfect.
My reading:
10:09
